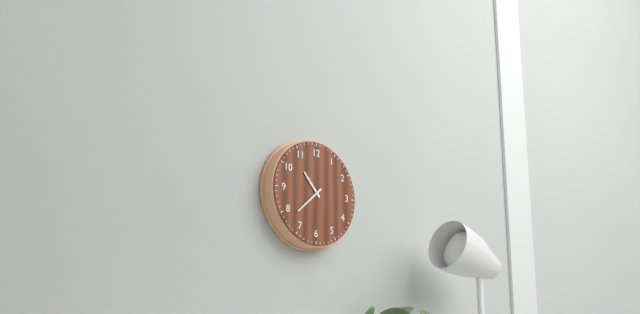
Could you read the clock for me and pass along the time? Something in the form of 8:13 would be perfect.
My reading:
10:38
